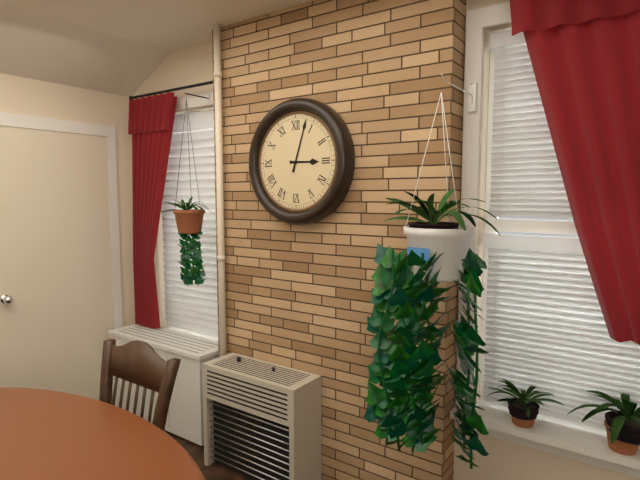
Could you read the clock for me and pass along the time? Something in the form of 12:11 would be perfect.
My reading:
3:03
